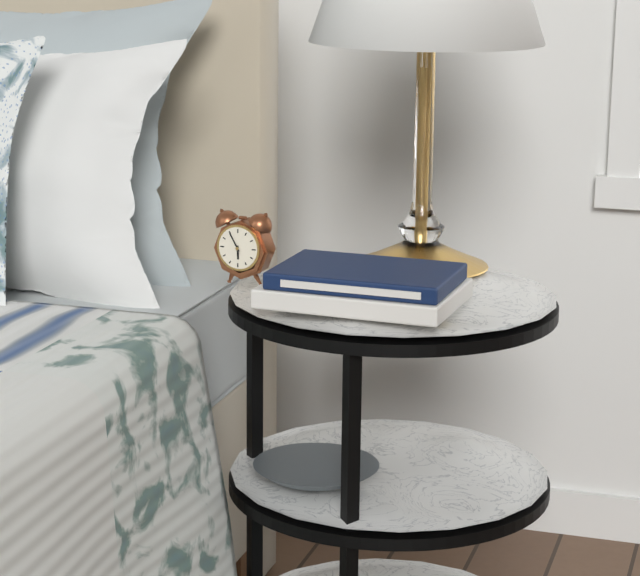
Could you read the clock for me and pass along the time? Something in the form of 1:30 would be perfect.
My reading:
5:55
